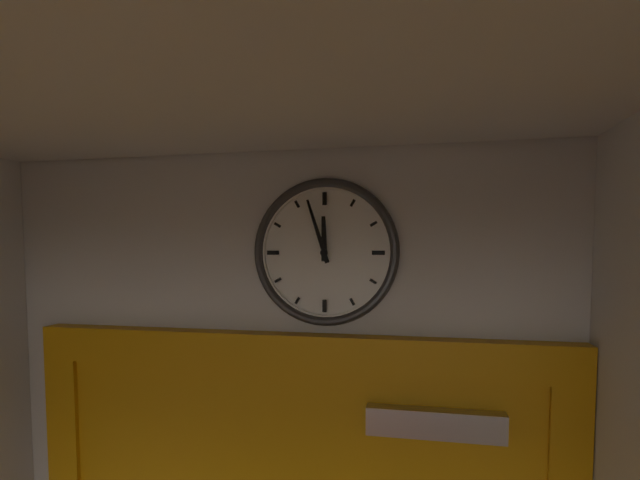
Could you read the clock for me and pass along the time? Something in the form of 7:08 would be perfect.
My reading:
11:57
